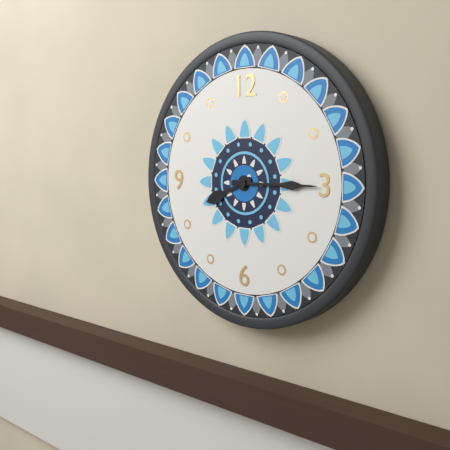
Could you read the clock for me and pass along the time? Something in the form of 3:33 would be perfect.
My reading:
8:15
